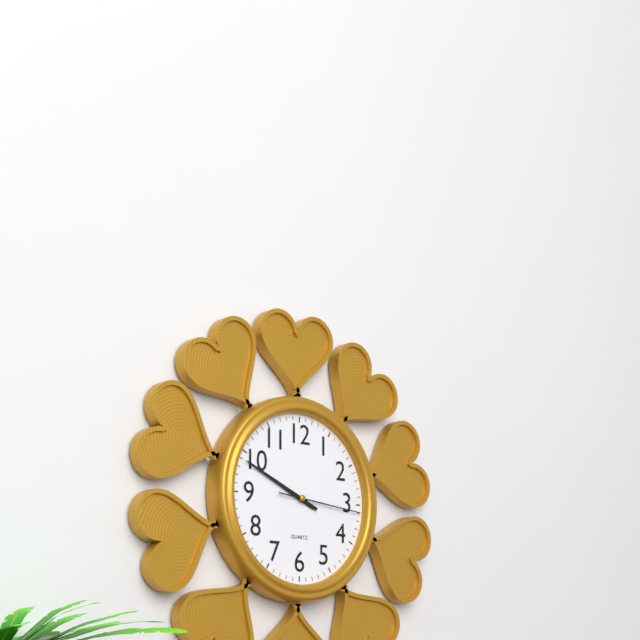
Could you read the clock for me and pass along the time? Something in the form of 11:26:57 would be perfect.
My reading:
9:49:16
